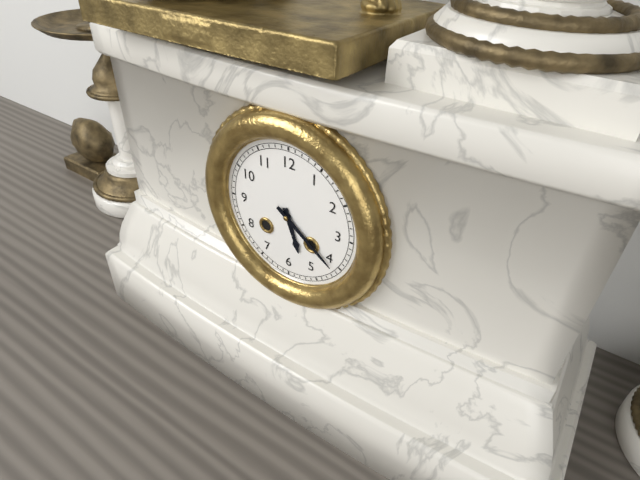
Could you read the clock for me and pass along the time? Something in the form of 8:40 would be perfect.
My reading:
5:21
